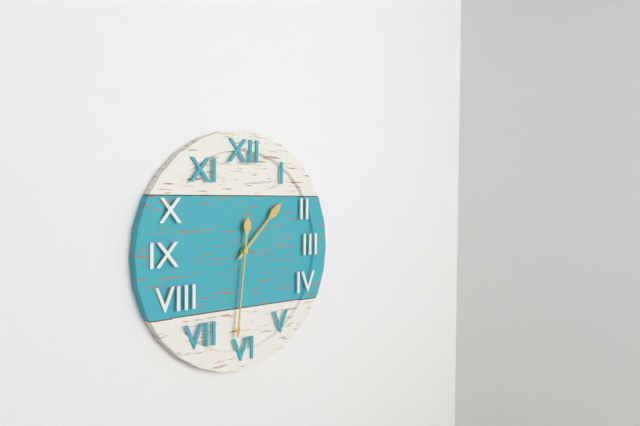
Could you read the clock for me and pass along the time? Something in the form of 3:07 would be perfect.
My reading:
1:31
